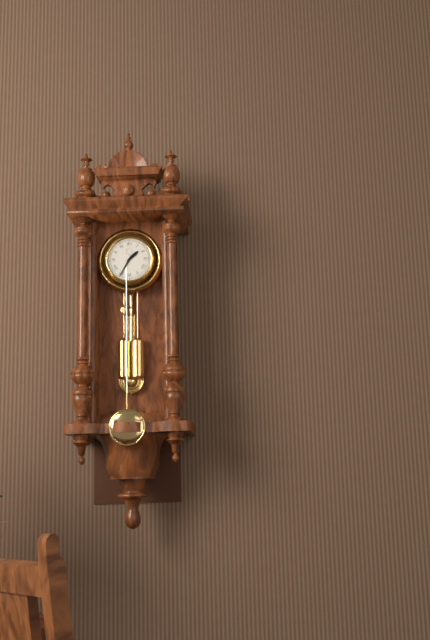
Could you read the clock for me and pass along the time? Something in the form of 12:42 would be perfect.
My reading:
1:35
